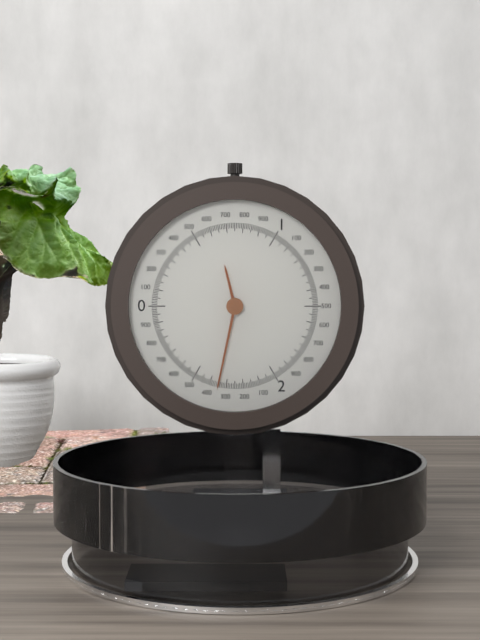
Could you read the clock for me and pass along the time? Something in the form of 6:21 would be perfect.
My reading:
11:32
